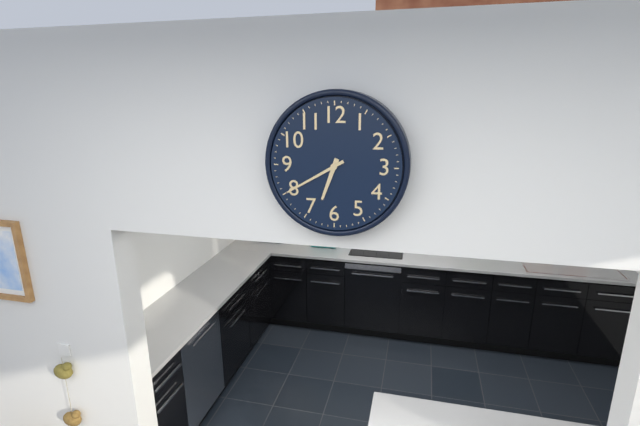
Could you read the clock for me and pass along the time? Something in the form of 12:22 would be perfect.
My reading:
6:40
